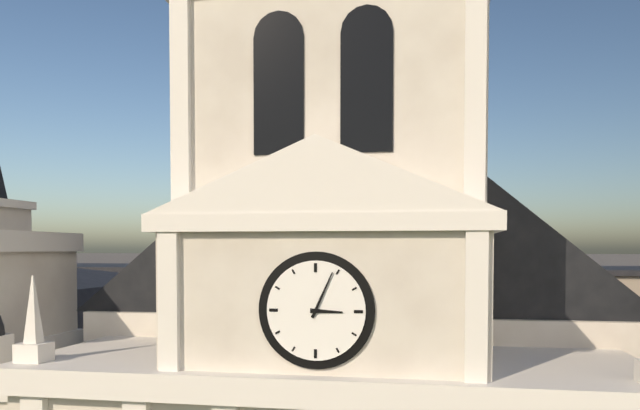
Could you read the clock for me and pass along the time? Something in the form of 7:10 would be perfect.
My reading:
3:04
